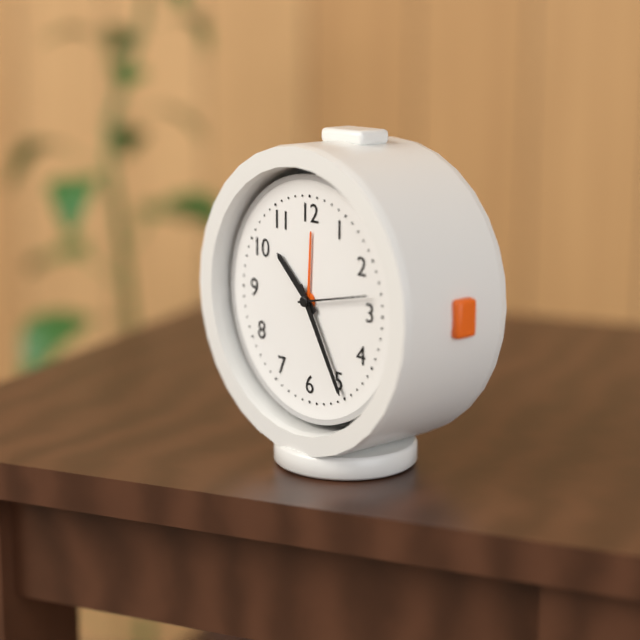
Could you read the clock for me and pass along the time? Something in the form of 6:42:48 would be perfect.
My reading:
10:25:13
